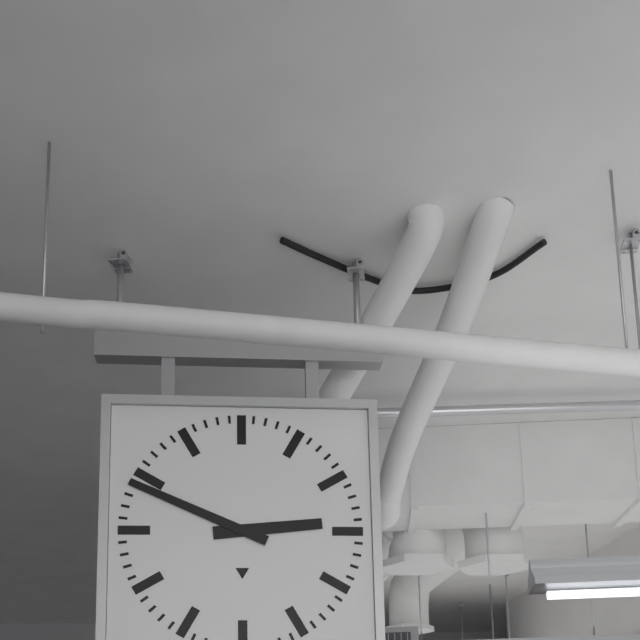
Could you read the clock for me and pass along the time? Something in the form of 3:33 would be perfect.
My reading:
2:49
